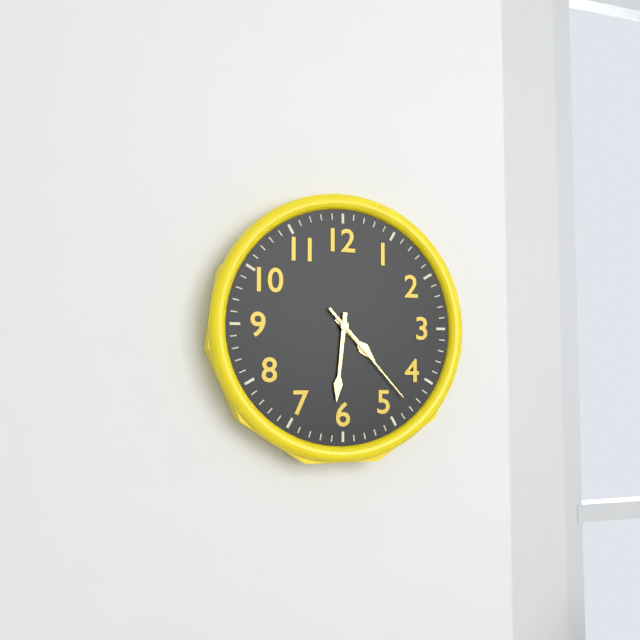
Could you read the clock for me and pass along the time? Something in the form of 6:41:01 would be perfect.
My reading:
4:31:23
